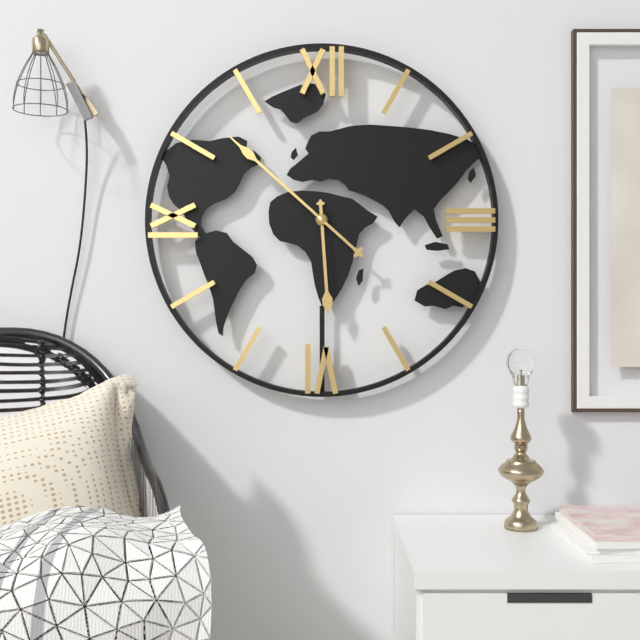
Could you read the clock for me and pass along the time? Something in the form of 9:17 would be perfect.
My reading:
5:52
